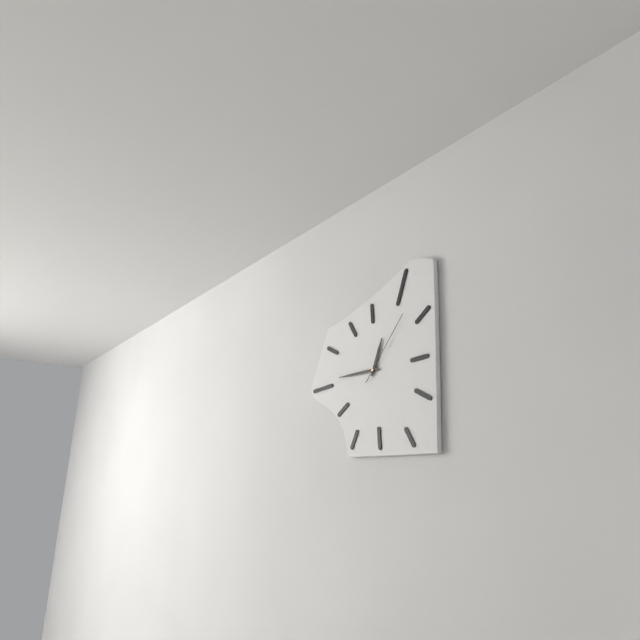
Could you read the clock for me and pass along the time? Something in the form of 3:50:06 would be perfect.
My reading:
12:45:07
